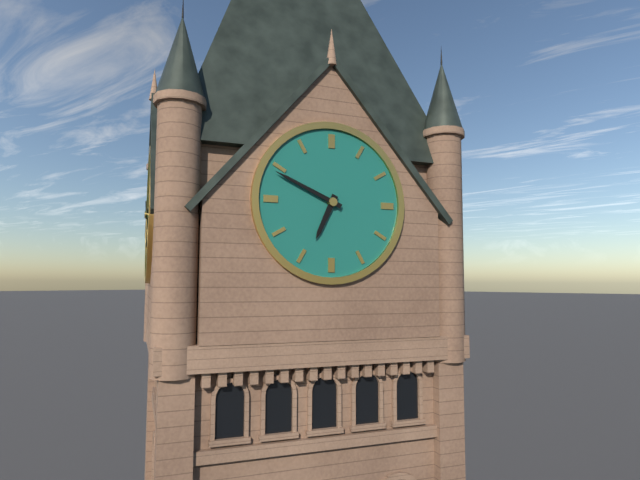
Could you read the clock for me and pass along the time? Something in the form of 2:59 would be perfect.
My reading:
6:49
